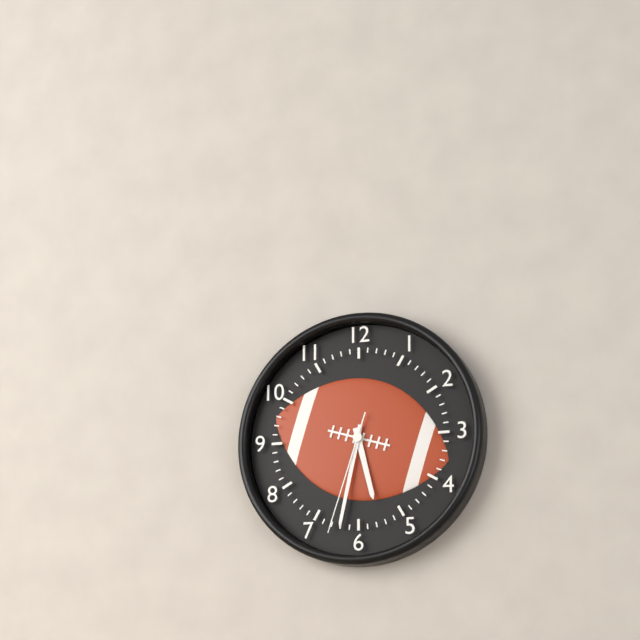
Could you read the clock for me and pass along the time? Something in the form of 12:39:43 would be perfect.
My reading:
5:32:33
